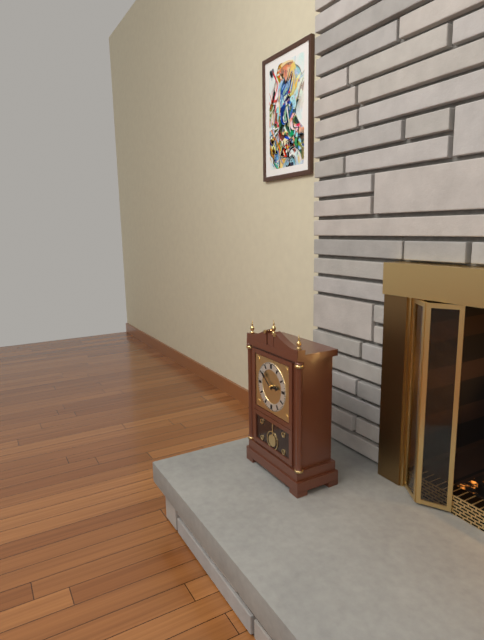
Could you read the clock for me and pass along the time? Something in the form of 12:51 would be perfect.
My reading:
2:51
